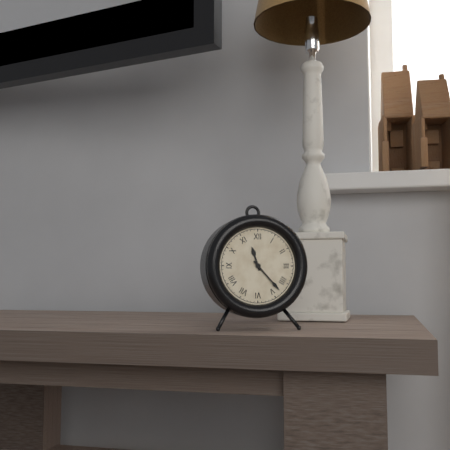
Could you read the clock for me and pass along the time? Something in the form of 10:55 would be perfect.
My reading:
11:23
